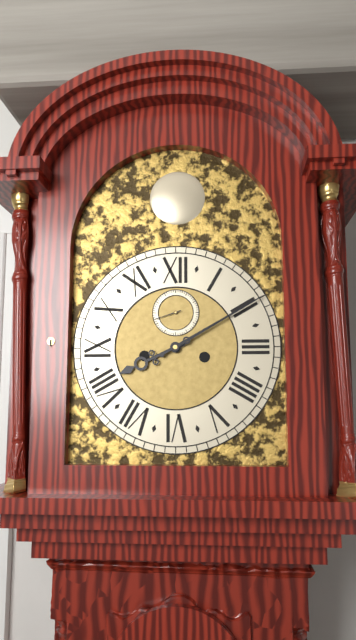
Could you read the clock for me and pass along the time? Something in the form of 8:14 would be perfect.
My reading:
8:10
